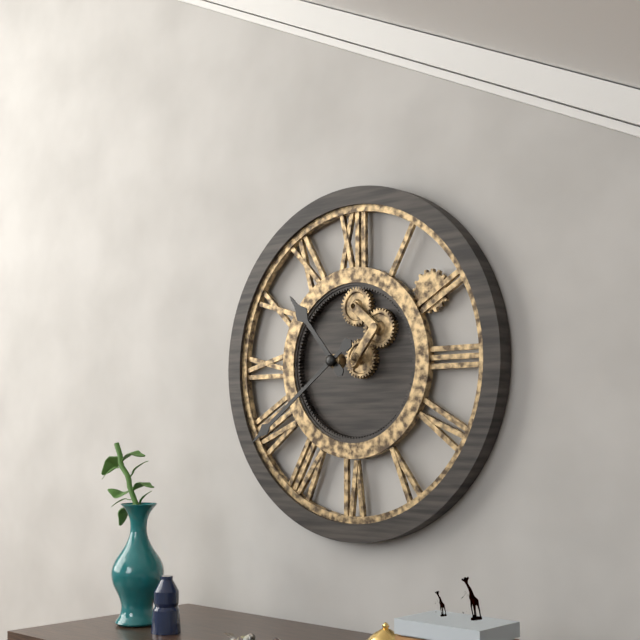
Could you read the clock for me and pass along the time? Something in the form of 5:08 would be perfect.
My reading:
10:39
